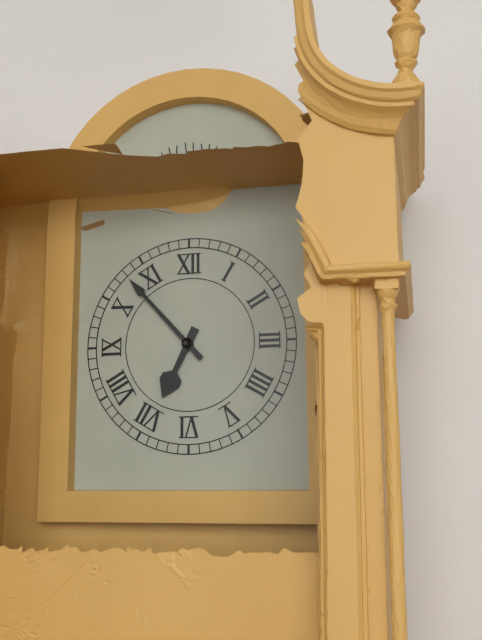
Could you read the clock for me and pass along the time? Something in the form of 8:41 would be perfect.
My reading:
6:53
